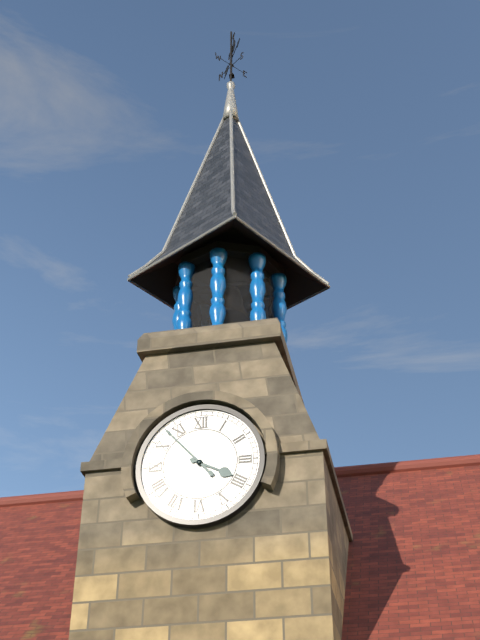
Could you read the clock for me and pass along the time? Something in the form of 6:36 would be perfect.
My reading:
3:53
